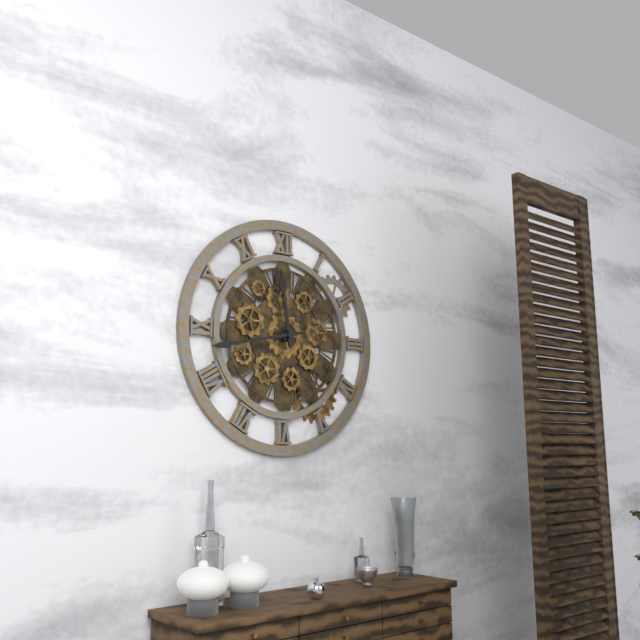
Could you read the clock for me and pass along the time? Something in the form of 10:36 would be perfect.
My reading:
11:43
